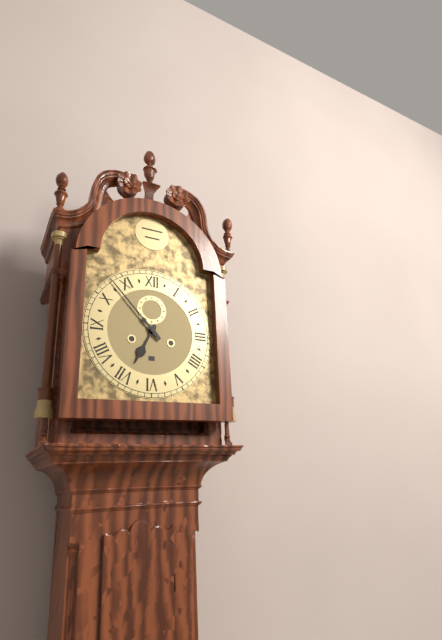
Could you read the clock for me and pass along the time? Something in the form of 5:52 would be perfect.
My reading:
6:53
